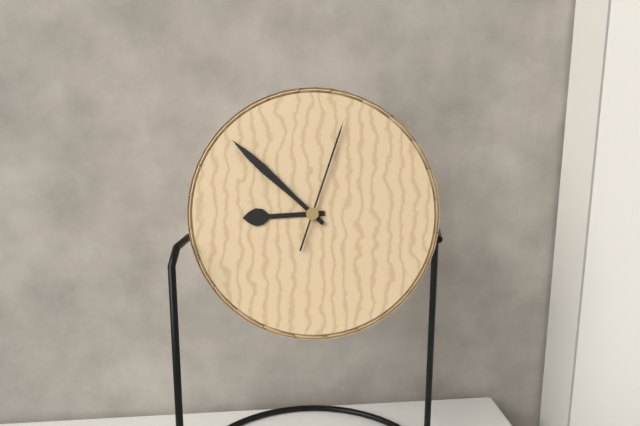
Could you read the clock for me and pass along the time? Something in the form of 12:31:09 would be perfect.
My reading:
8:52:03
